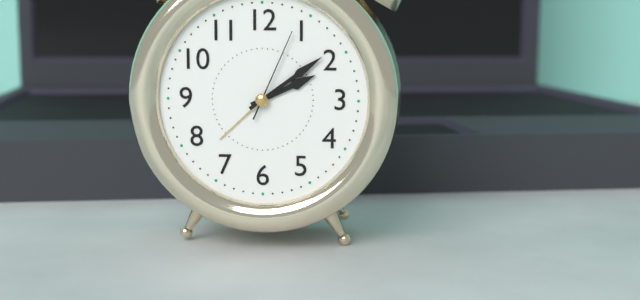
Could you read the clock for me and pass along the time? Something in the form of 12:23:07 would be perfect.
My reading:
2:09:04
